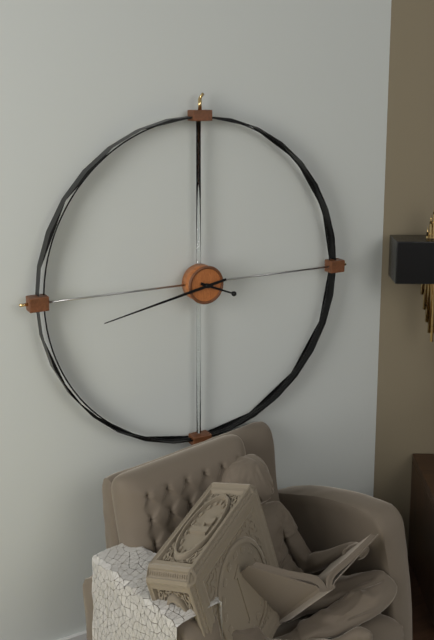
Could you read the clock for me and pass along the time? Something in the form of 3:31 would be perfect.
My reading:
3:43
